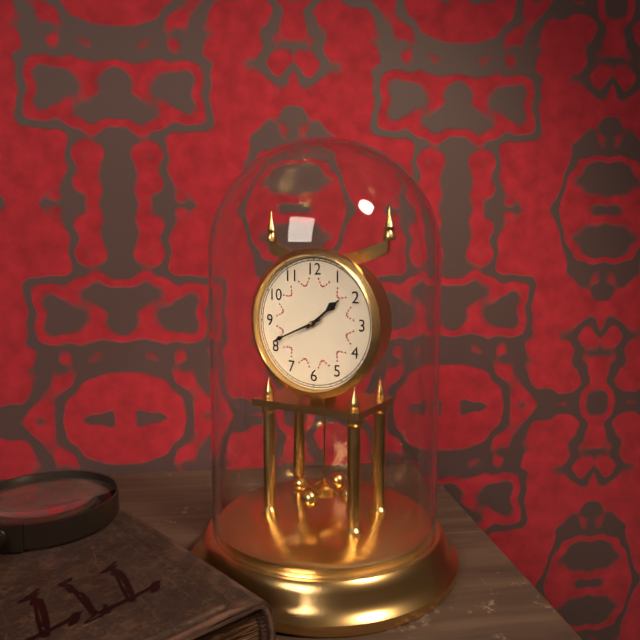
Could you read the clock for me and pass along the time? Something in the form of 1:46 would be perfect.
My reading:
1:41
